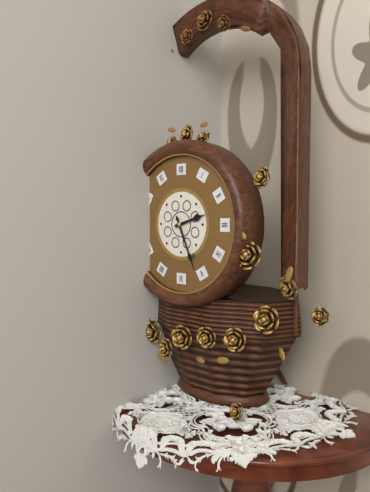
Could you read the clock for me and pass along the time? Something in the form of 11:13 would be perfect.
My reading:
2:26
